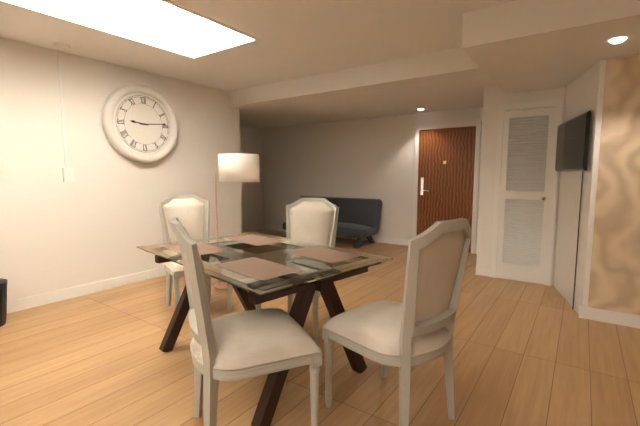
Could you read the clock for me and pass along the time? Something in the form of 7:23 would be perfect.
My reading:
9:14
